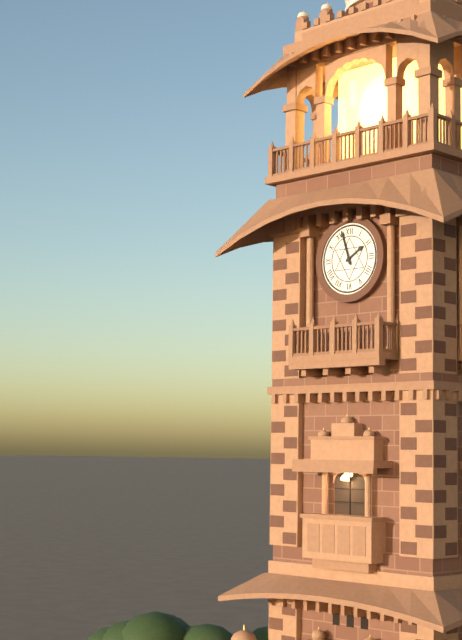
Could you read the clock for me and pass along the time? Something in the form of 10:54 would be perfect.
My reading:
1:57
